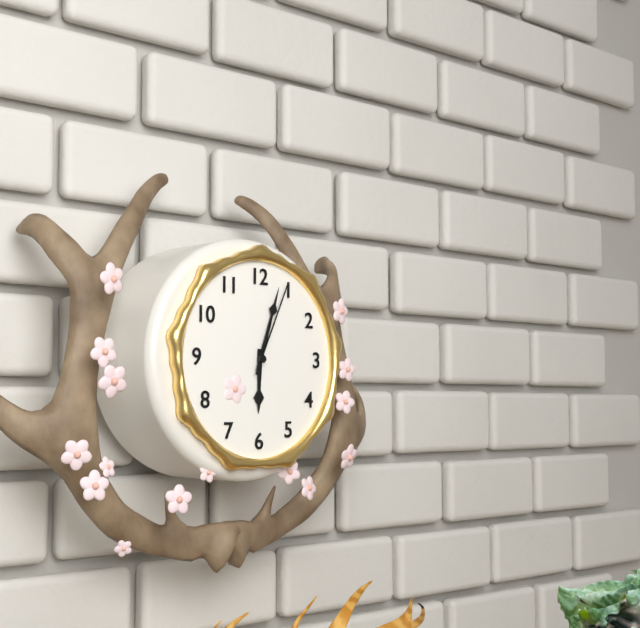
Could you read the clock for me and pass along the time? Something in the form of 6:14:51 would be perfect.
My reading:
6:03:04
